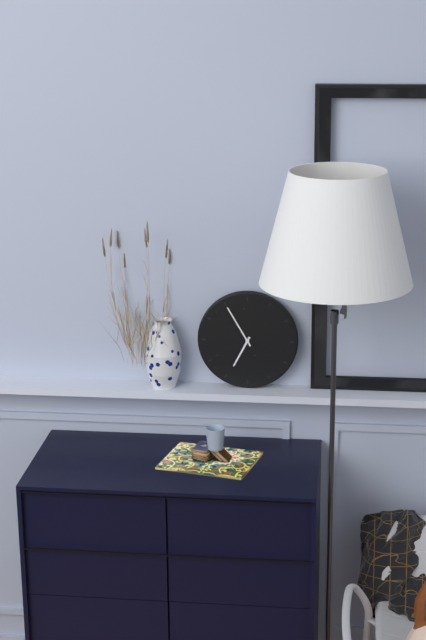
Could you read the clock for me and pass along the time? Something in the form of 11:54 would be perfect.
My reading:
6:55
